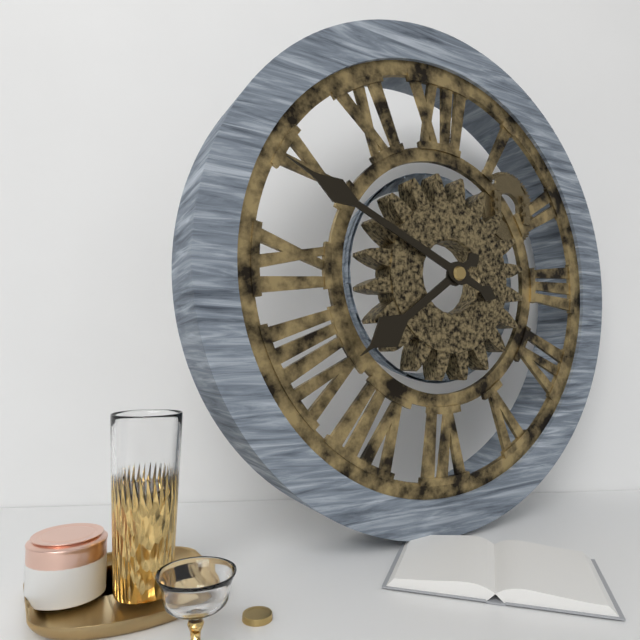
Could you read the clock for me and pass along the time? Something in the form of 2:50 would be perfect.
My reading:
7:49
